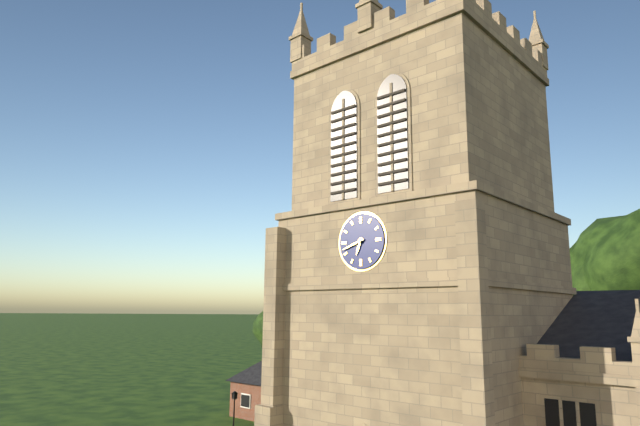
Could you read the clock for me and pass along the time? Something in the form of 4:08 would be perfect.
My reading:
6:42
